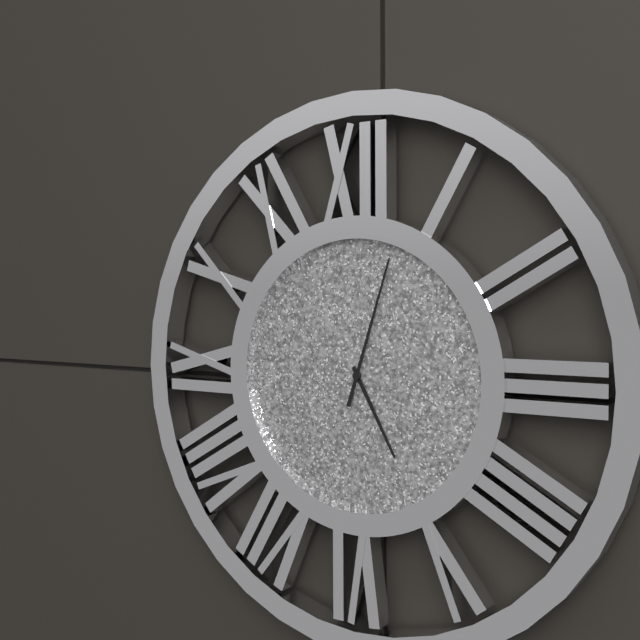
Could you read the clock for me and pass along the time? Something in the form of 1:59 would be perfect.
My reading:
5:03
